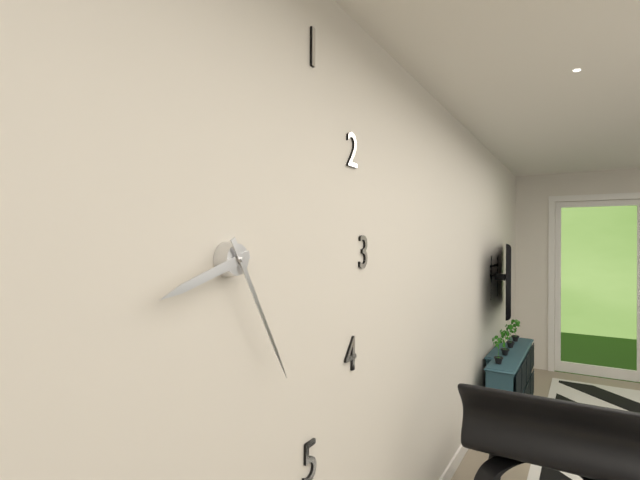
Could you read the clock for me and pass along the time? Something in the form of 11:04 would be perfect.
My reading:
8:25
